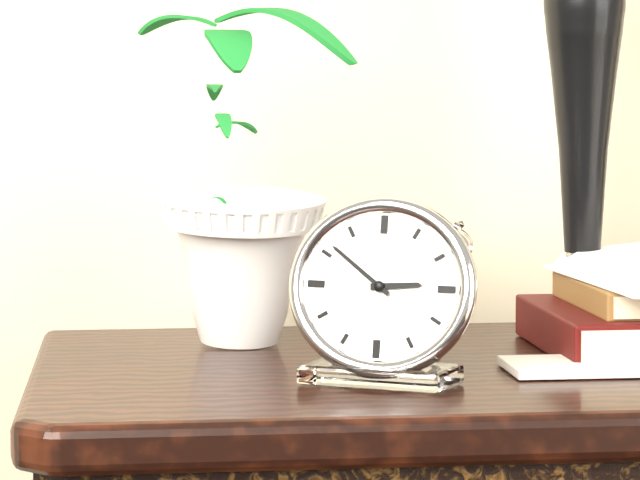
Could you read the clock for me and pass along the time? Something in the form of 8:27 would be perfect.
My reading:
2:51
